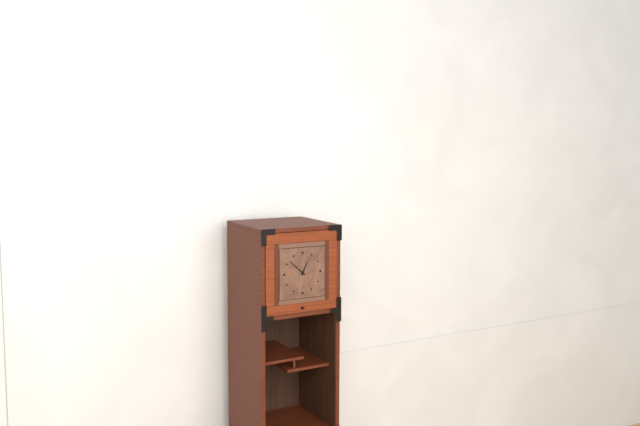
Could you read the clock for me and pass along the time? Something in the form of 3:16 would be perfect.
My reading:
12:52
